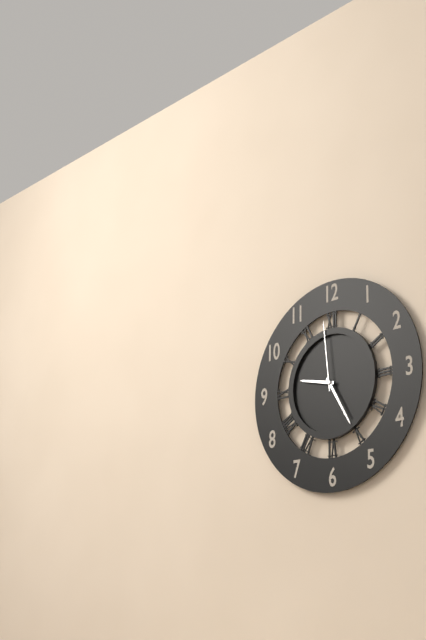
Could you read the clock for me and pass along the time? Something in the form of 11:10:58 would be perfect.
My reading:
9:25:59
